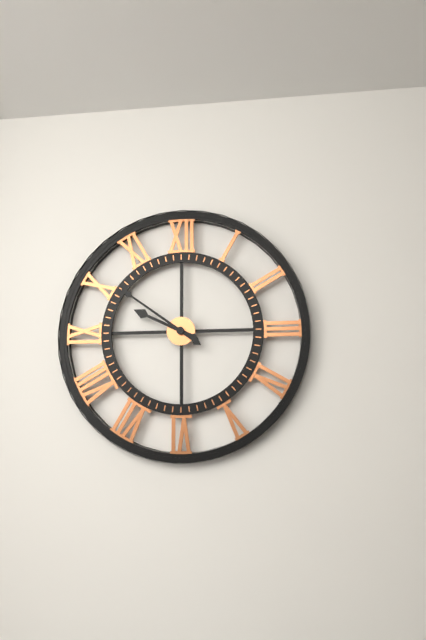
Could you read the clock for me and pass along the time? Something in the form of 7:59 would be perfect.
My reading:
9:51
